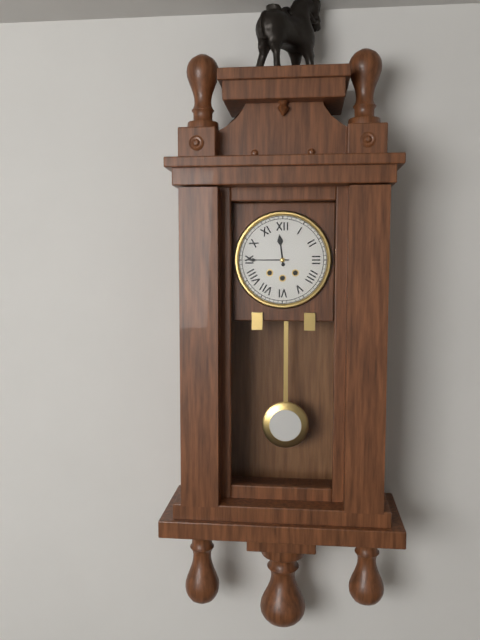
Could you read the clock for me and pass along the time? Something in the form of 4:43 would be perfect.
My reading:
11:45
